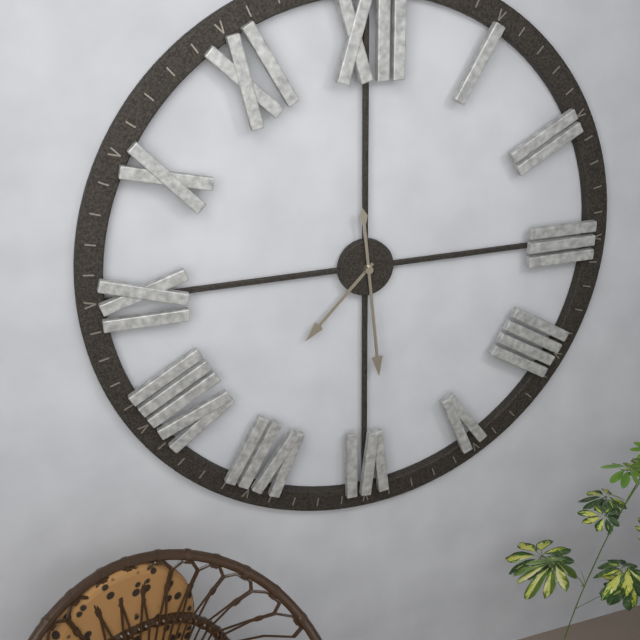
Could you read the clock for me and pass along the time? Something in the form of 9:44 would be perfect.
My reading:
7:29
